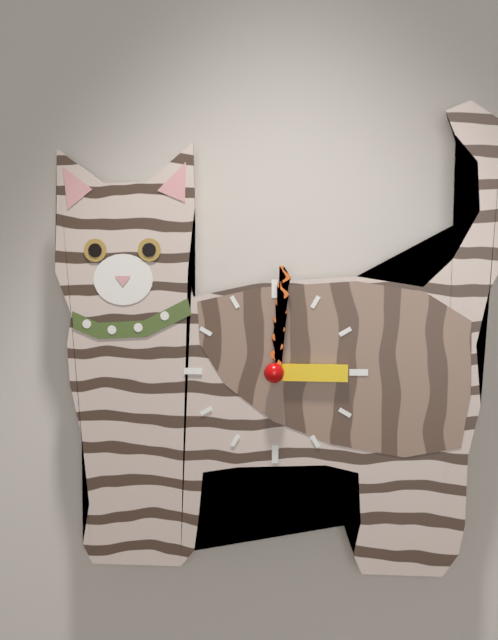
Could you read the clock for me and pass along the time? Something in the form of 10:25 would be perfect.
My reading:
3:01
